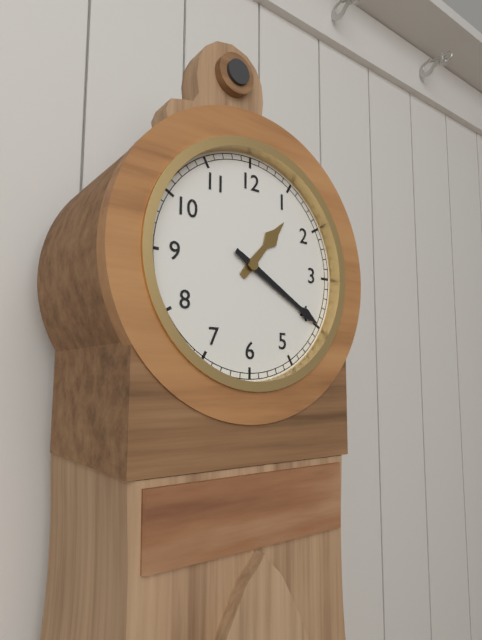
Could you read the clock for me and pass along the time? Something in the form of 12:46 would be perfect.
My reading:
1:20
